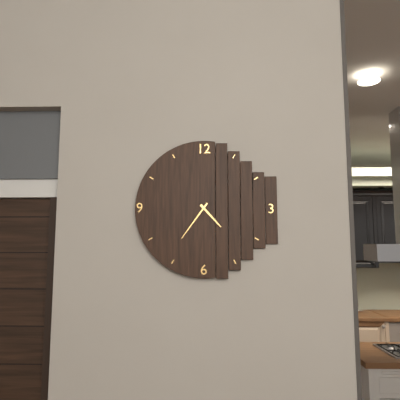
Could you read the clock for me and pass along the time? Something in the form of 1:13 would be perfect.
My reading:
4:36
